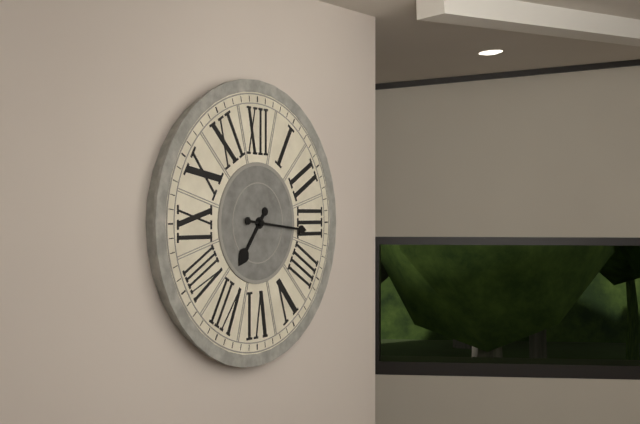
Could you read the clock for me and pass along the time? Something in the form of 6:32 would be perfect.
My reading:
7:16
